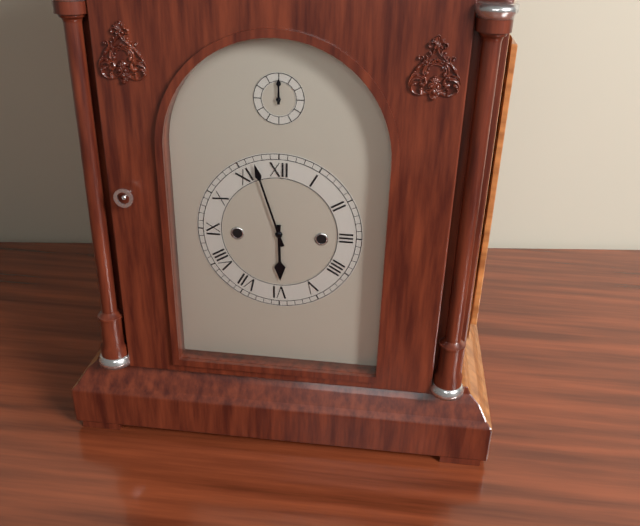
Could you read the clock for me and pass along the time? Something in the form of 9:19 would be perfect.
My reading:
5:57
